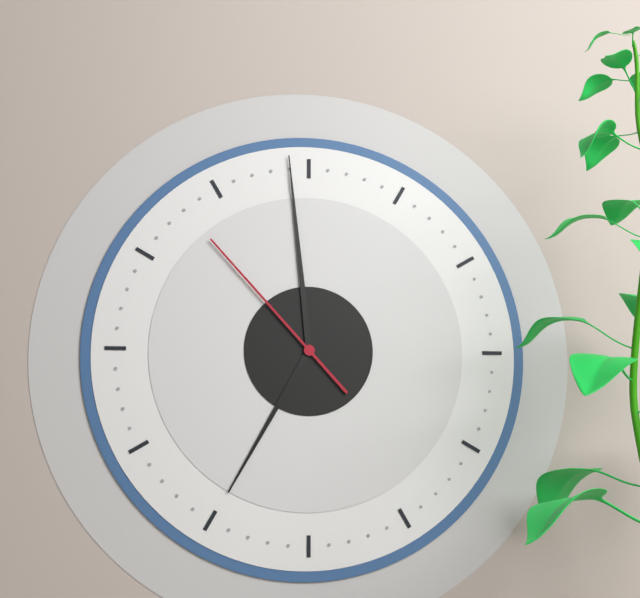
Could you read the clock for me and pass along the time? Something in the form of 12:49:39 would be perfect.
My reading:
6:59:53
